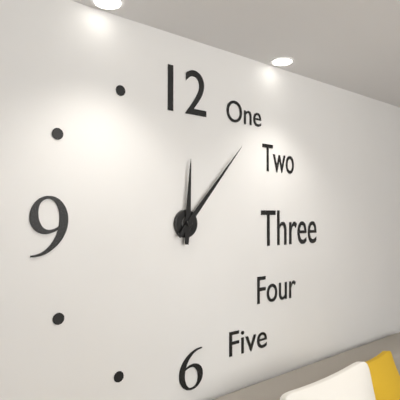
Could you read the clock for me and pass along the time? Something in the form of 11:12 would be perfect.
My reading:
12:07
